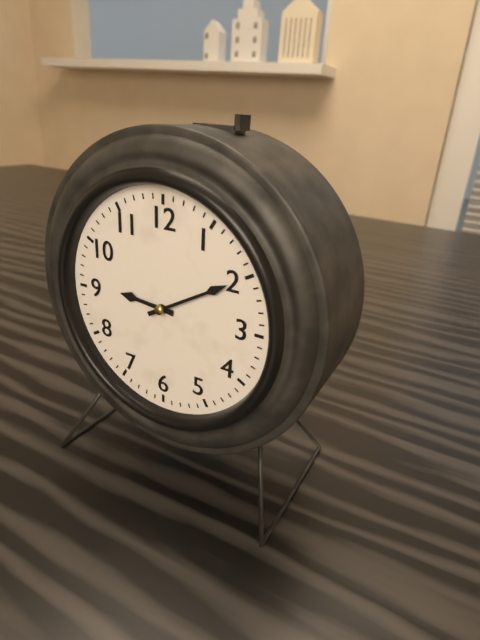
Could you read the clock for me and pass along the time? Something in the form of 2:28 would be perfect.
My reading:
9:10
